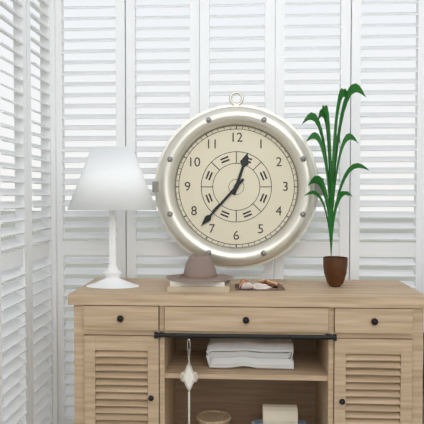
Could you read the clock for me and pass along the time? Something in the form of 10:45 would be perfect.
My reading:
12:37
